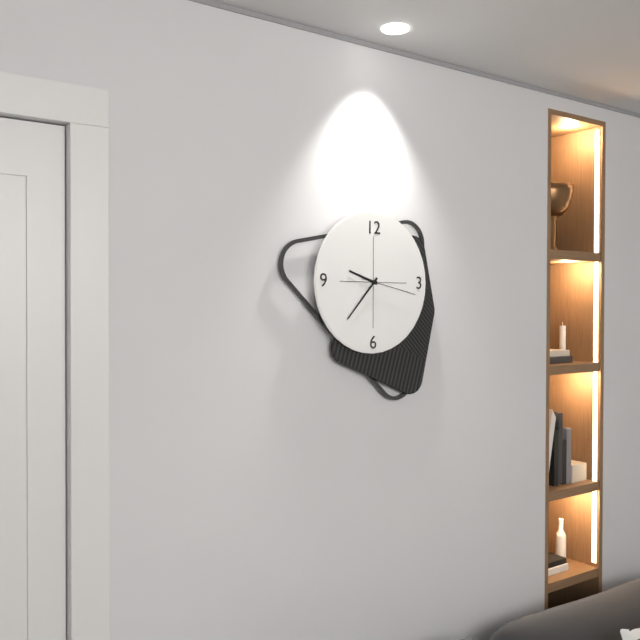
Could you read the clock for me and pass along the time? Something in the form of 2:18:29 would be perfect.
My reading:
9:37:17
